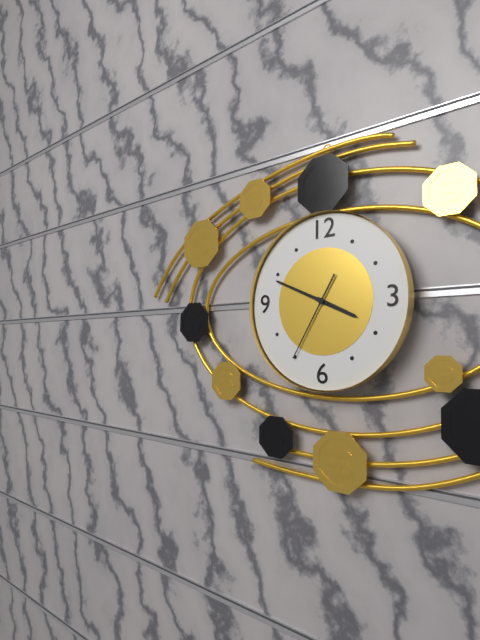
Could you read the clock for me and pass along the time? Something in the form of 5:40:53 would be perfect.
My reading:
3:49:35
